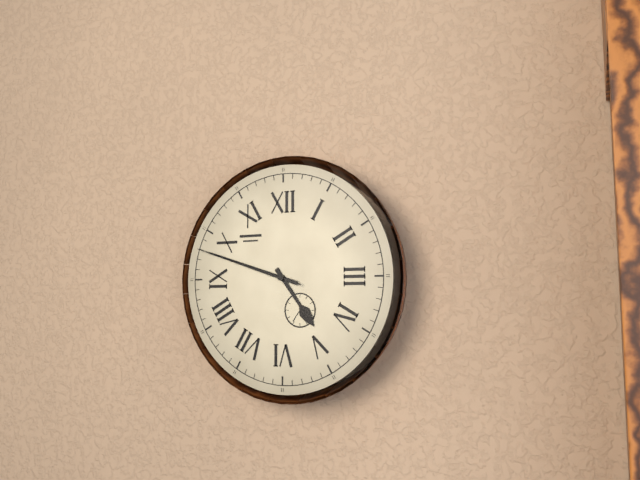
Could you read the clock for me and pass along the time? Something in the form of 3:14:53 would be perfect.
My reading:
4:48:48
